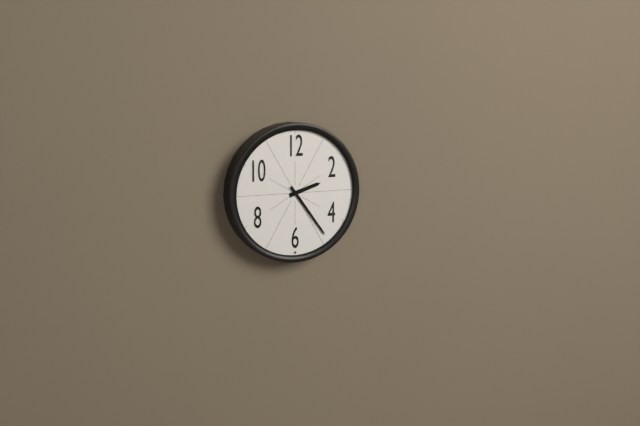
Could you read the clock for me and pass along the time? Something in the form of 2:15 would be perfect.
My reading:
2:24
